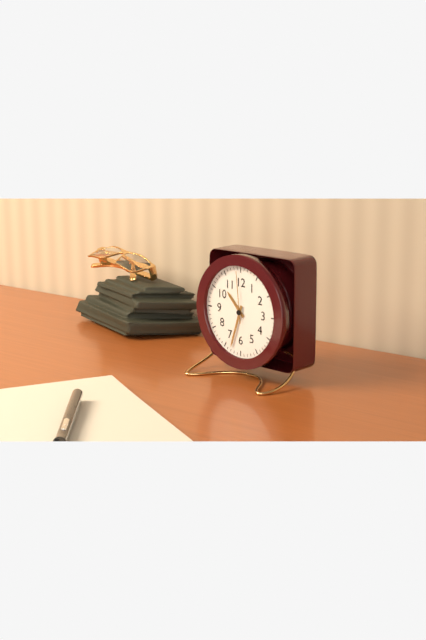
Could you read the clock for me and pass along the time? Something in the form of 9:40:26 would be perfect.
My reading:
10:33:59
